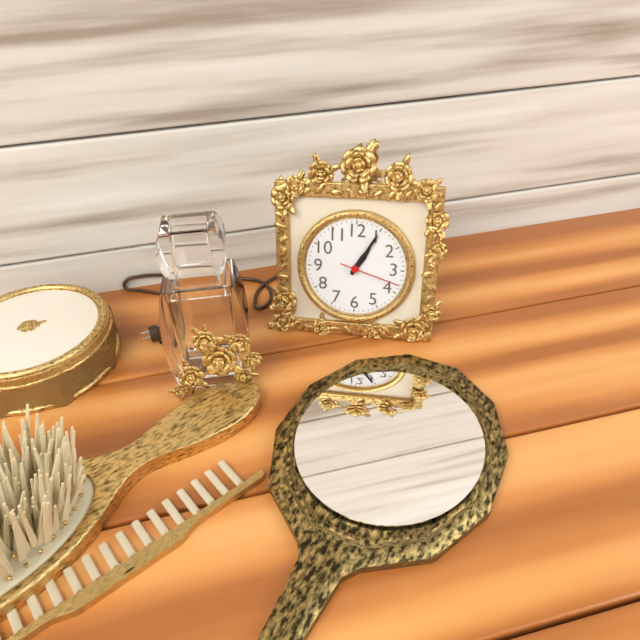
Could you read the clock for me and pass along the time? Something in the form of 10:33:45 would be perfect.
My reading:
1:05:18
